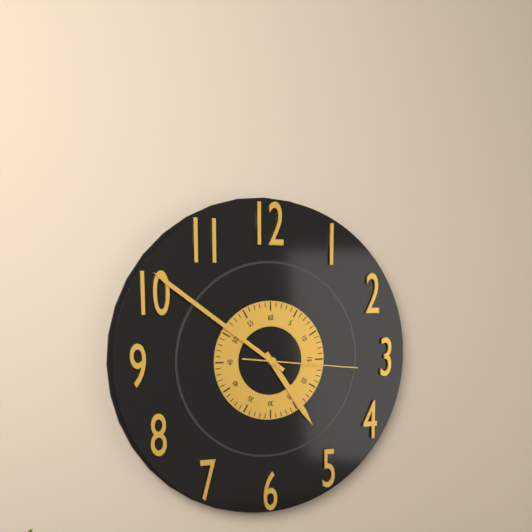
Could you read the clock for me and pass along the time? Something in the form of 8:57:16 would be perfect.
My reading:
4:51:16
